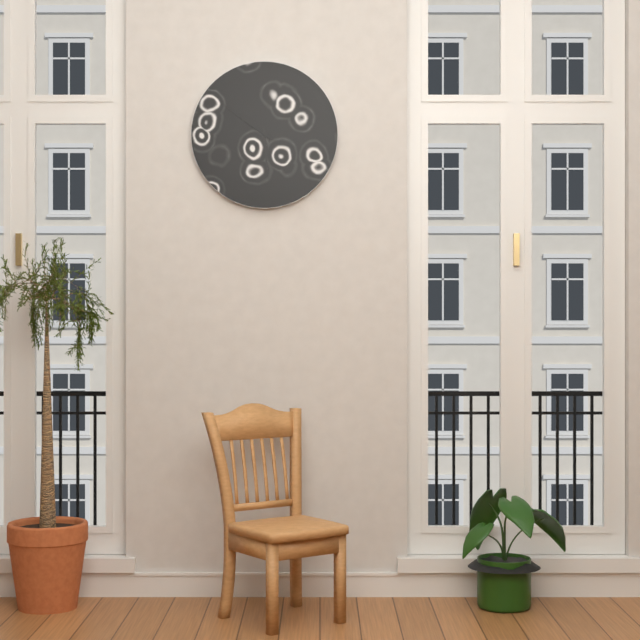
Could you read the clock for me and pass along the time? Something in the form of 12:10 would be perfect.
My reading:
5:51
